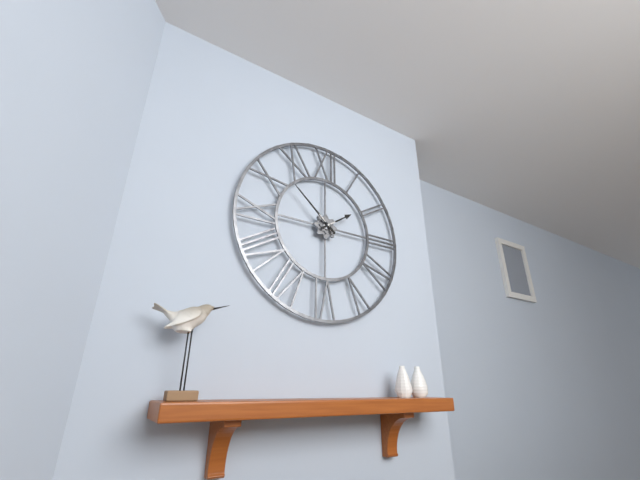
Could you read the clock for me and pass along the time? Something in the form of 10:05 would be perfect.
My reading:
1:52
